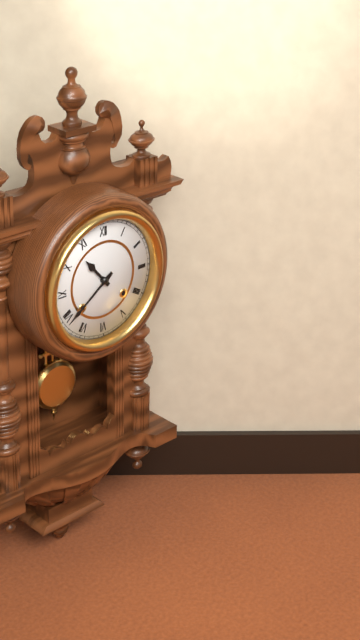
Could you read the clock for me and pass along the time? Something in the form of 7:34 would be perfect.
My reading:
10:39
